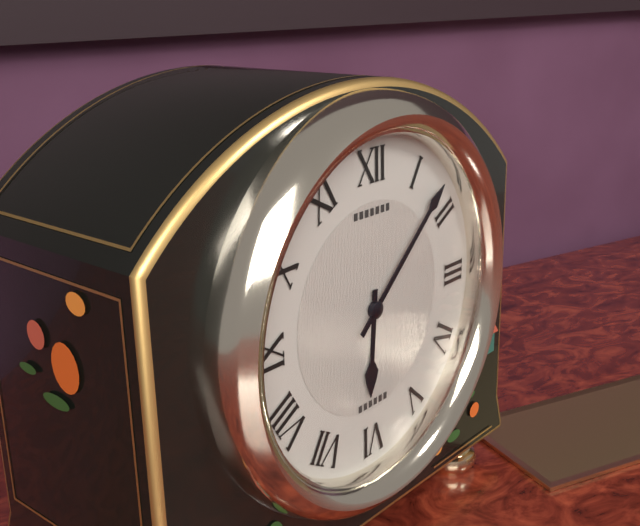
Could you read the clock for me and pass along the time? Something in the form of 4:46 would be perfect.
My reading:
6:08
